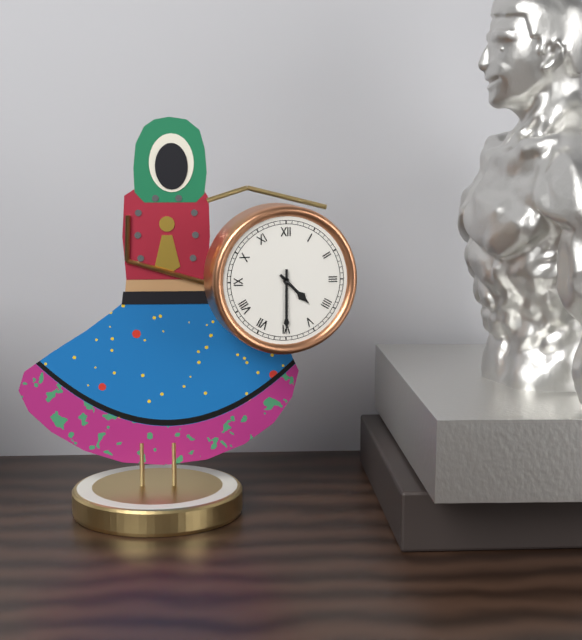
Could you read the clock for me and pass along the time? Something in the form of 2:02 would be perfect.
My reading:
4:30
